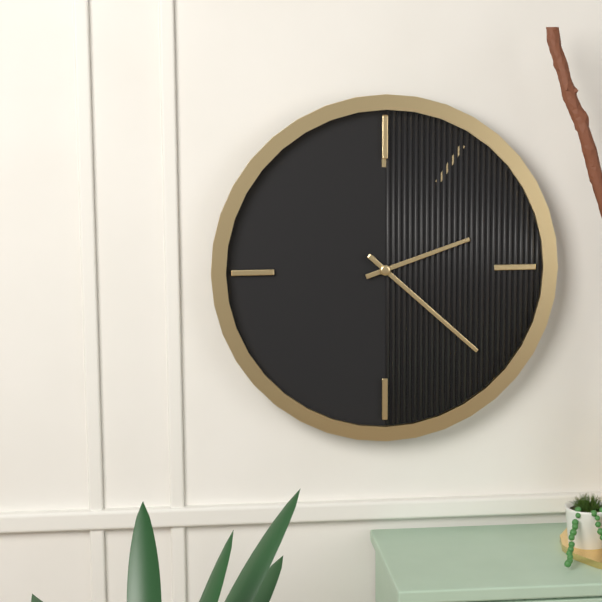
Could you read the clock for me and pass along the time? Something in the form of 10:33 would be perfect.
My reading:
2:22
